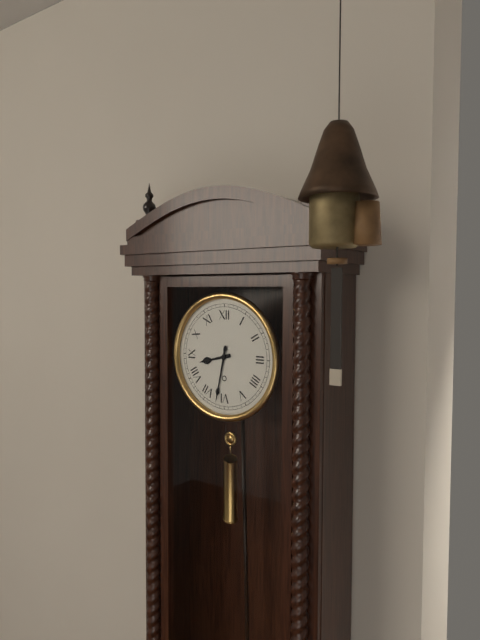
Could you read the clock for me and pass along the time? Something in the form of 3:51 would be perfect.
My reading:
8:32
